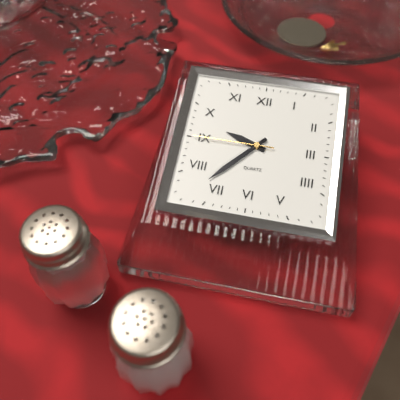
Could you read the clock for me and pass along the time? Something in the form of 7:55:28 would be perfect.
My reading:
9:37:45
